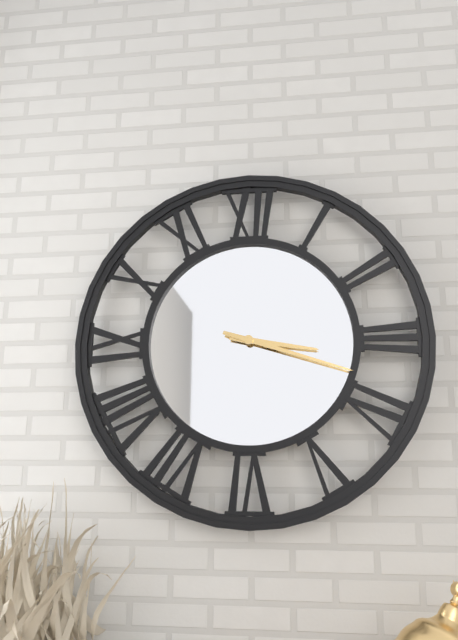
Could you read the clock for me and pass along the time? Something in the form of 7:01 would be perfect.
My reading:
3:18
